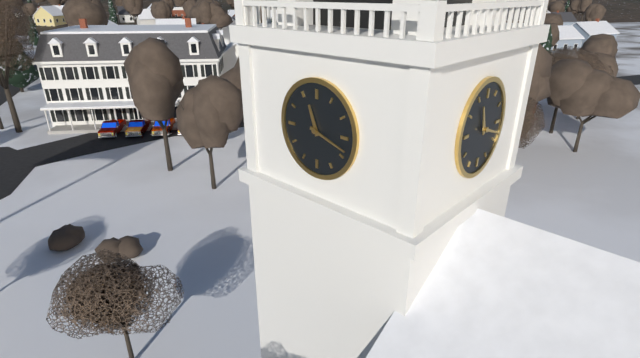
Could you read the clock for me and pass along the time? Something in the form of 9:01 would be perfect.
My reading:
11:18
